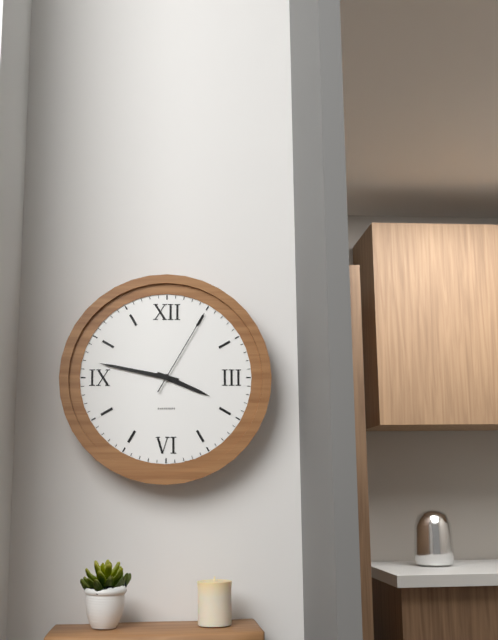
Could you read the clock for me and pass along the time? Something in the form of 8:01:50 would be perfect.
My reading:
3:47:05
